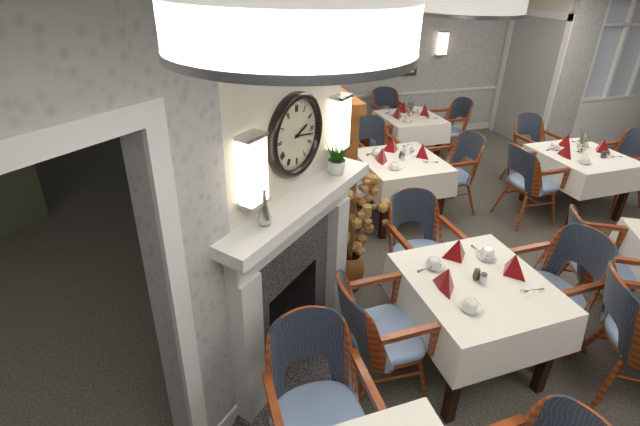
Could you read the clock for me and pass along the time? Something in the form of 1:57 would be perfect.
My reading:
2:17
